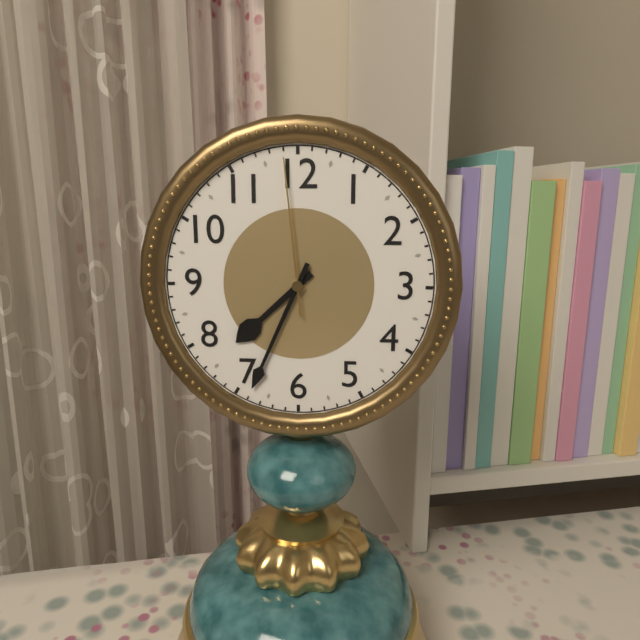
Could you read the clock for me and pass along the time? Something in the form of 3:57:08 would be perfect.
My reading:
7:34:59
